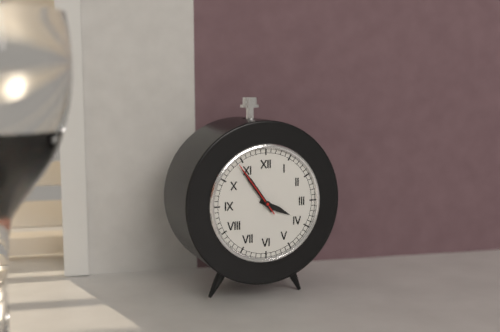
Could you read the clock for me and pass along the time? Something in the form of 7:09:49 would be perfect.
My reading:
3:54:54
